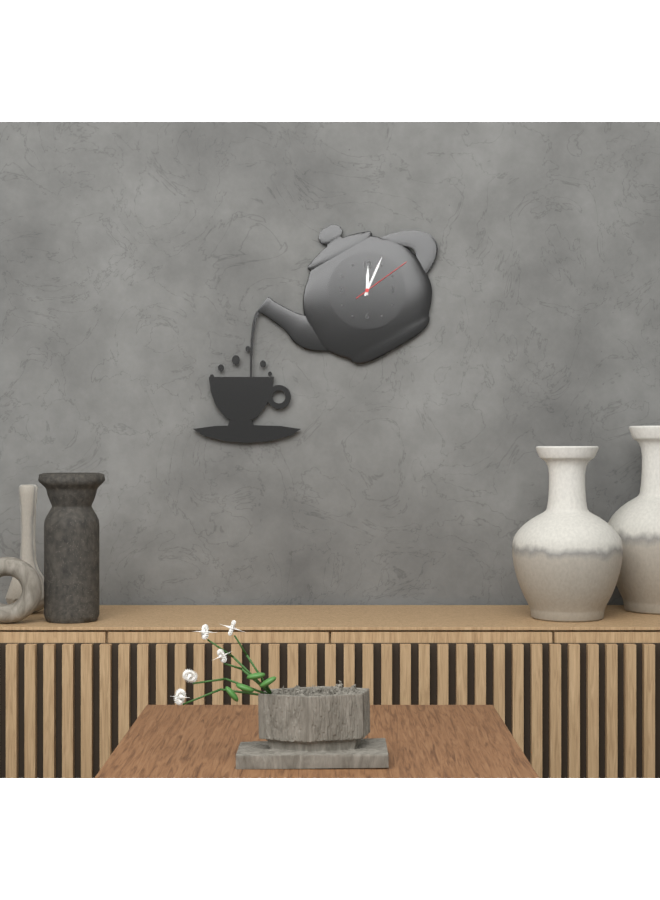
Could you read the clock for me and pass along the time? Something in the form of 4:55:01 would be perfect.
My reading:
12:04:09
